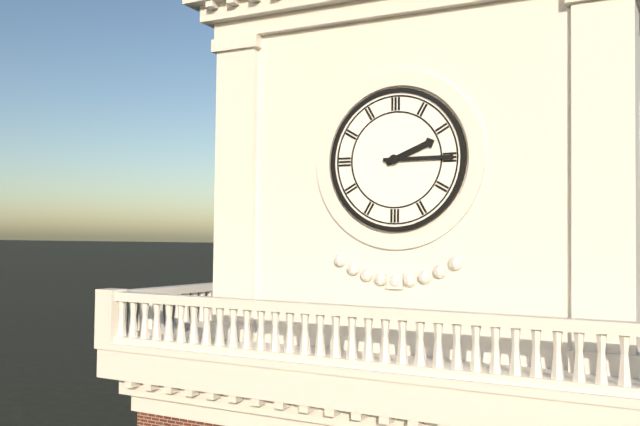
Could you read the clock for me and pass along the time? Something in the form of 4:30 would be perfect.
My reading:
2:15
